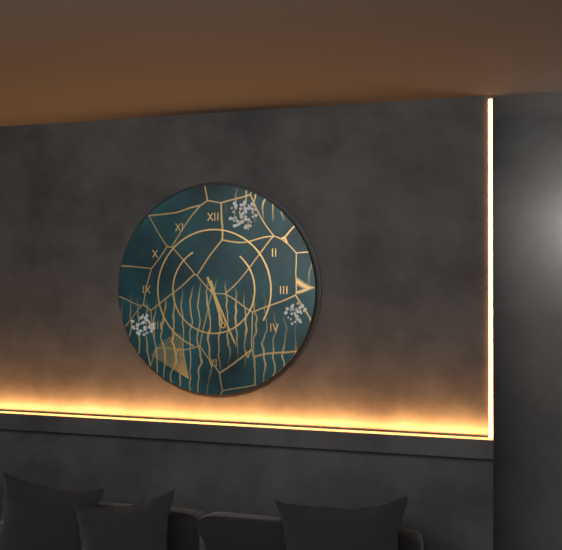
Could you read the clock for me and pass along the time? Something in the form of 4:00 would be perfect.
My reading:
5:26
